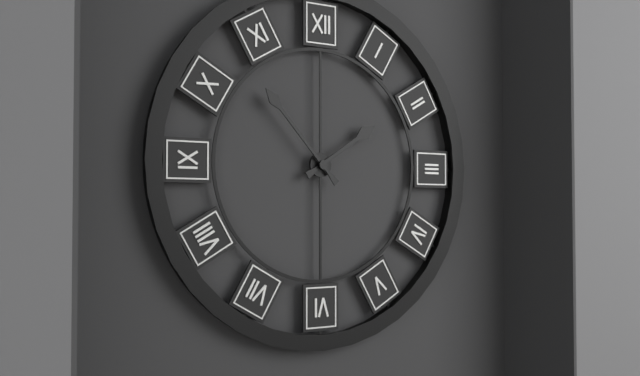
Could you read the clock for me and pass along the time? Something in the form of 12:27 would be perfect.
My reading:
1:53
